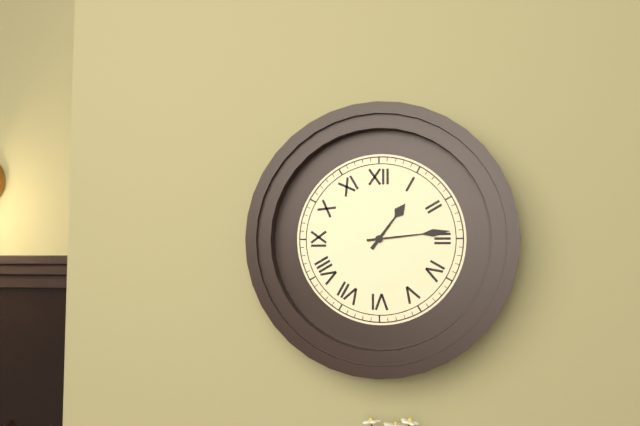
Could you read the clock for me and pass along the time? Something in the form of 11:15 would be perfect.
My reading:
1:14
